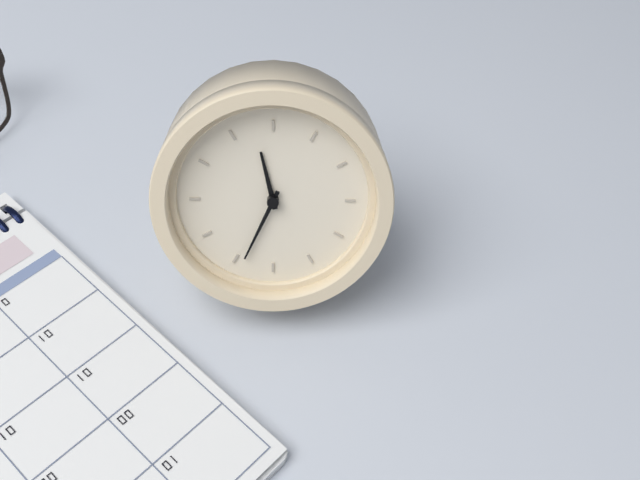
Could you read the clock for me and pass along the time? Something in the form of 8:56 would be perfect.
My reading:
11:34
